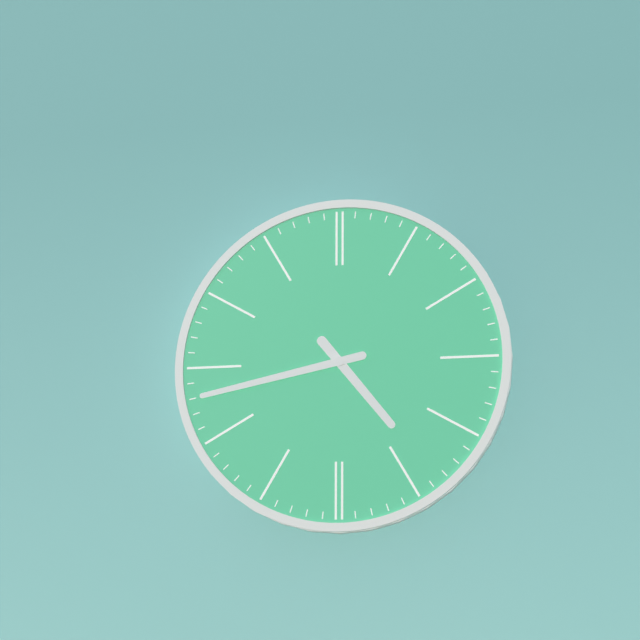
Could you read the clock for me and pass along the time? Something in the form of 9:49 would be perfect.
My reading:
4:43
